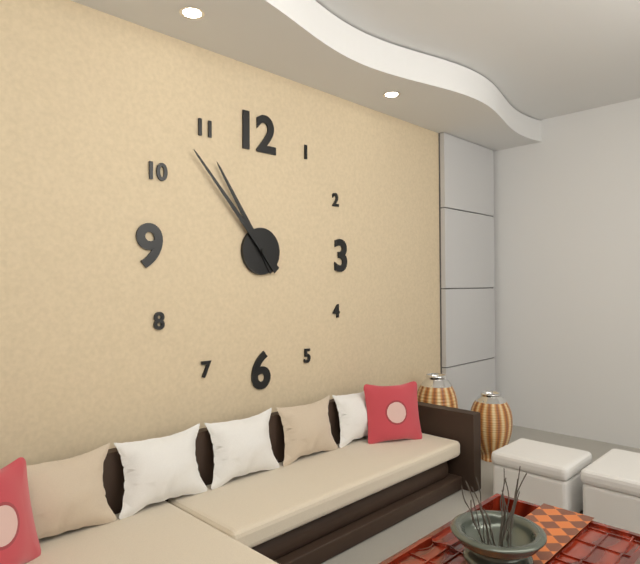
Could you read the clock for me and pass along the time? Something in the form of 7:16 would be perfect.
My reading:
10:53
